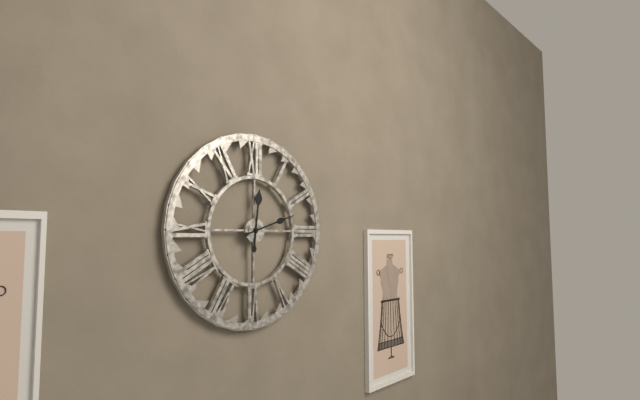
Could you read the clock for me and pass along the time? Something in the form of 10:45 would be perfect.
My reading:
12:12
